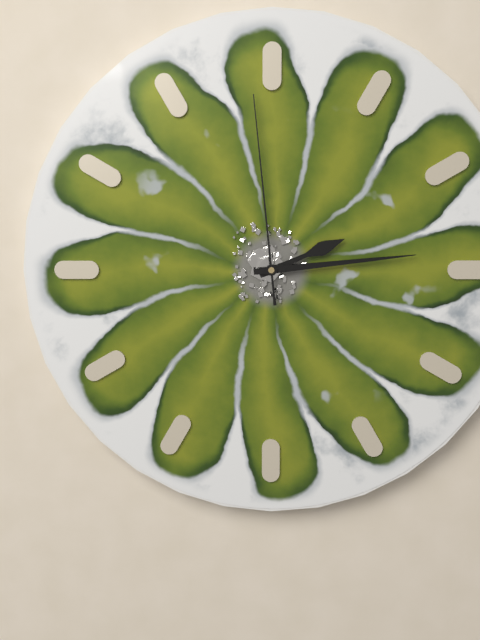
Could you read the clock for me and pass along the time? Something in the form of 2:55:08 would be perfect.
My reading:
2:14:59
